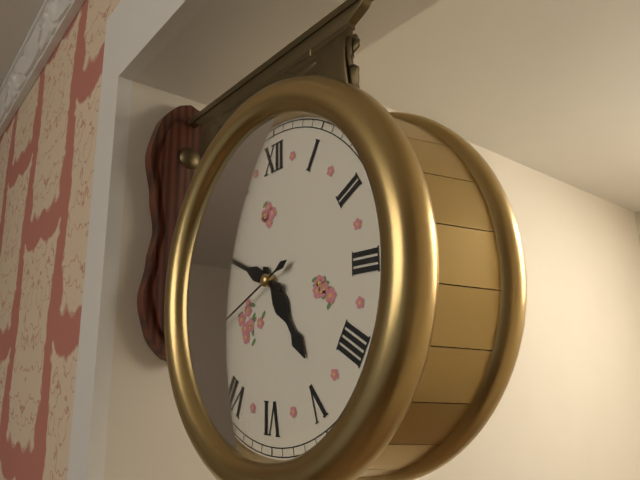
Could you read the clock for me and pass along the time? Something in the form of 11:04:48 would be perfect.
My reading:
4:49:41
